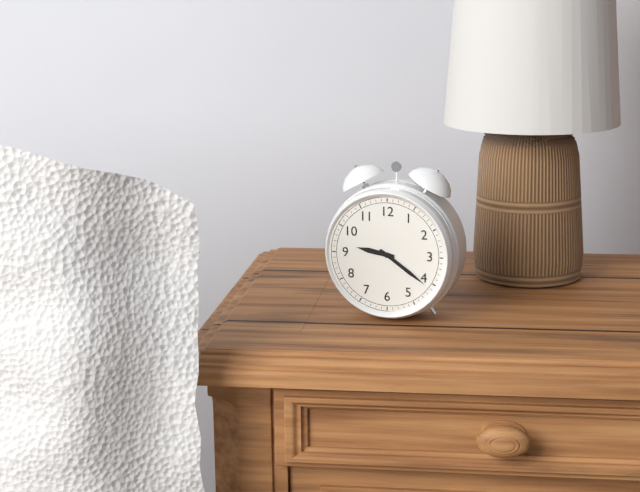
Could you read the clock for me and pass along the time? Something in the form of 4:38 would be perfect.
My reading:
9:21
